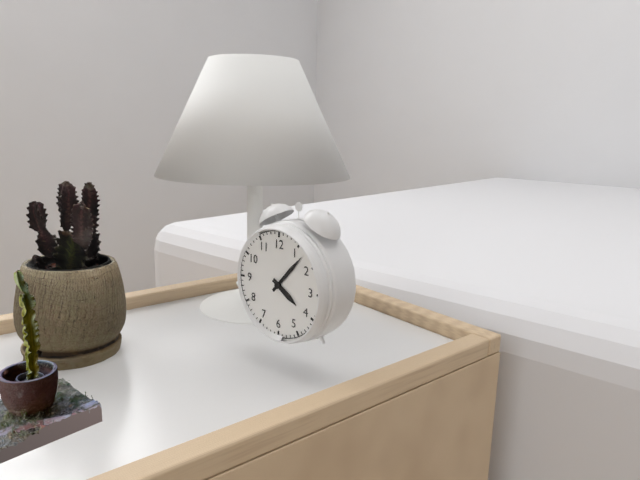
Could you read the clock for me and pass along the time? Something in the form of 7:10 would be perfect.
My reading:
4:07
